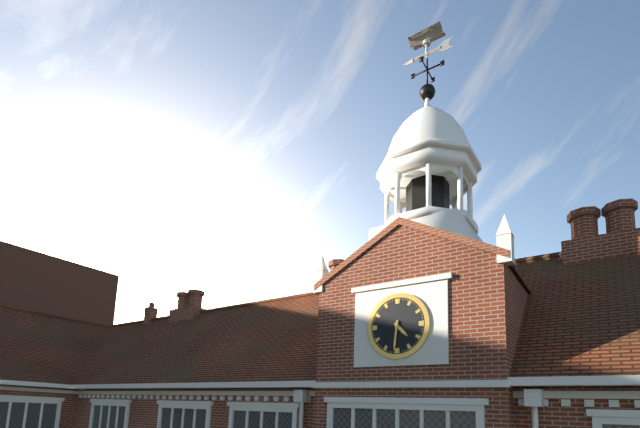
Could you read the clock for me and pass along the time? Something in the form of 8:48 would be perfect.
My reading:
4:31
